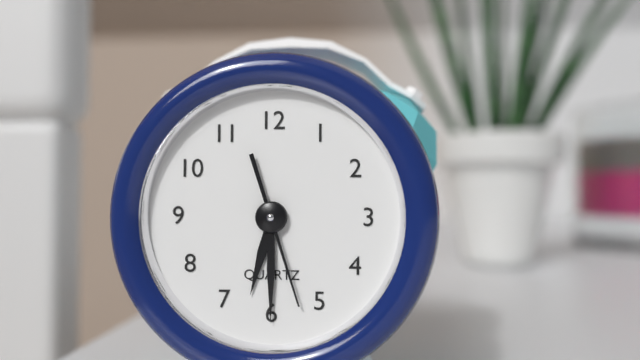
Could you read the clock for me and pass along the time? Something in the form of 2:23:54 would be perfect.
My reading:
6:30:27
